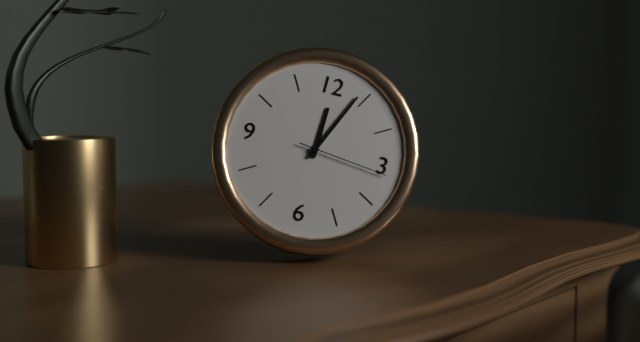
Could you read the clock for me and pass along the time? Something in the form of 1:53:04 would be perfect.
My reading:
12:04:16
